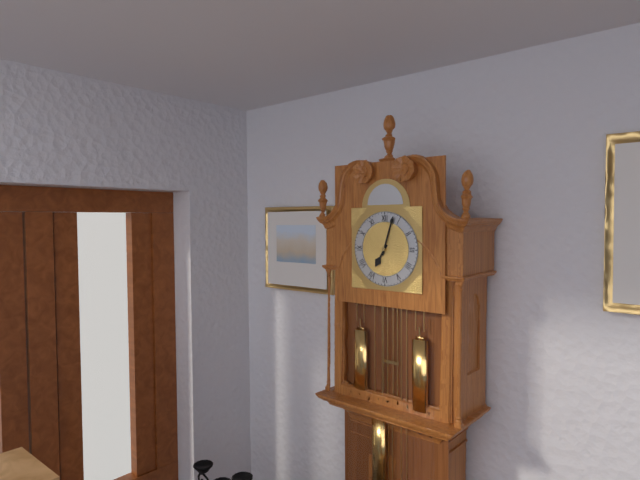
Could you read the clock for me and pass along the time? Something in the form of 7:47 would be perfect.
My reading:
7:03
